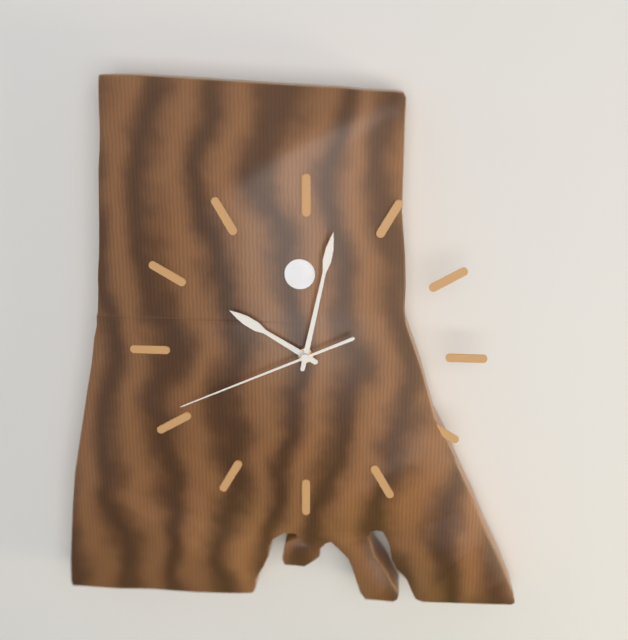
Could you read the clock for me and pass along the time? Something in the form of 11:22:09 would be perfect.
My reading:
10:02:41
